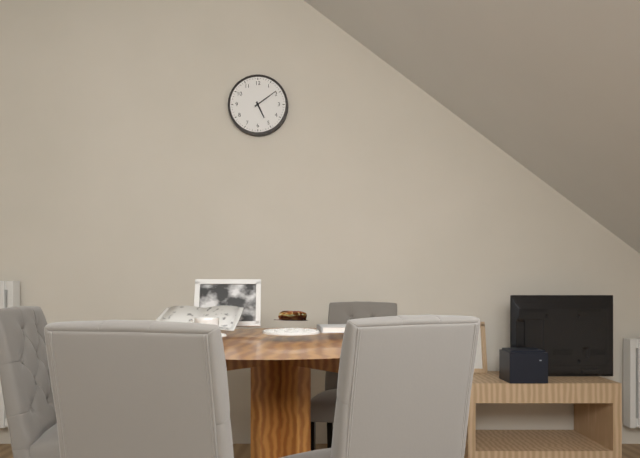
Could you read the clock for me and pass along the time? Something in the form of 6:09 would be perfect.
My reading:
5:09
